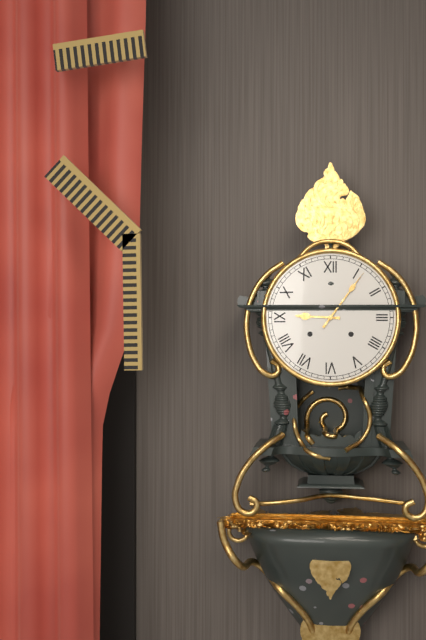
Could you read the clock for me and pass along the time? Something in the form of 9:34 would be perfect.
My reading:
9:06
